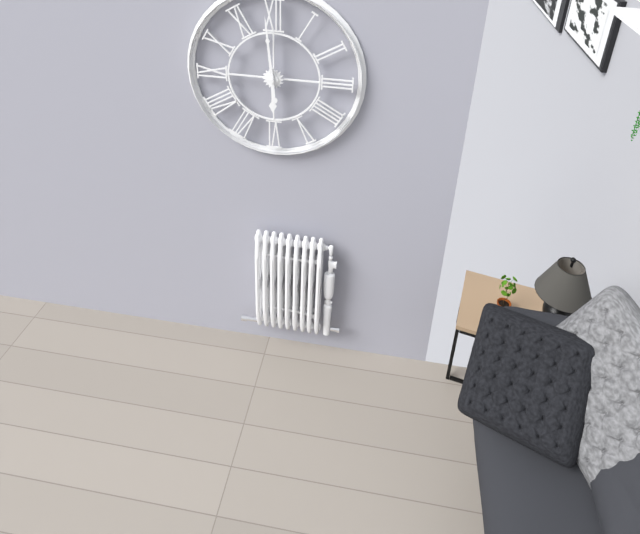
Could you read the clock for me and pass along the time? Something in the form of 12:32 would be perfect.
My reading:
5:59
